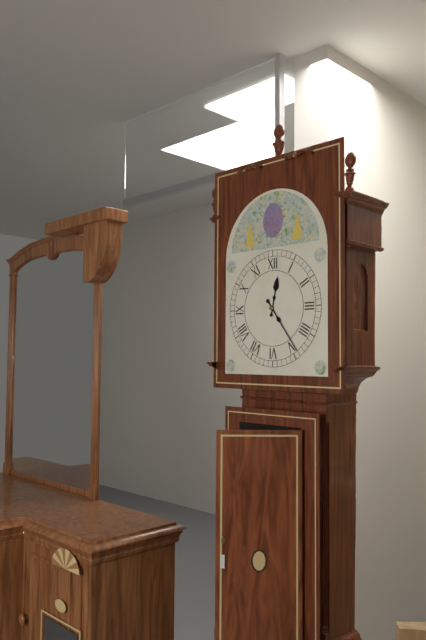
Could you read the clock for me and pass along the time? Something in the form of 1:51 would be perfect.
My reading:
12:24
